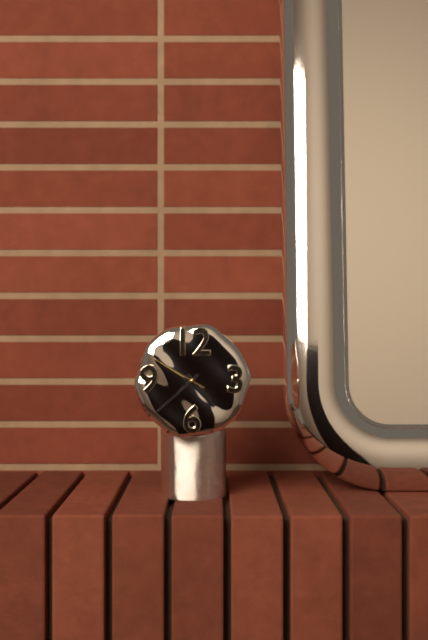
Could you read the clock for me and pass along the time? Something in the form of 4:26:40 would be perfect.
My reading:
4:38:50
